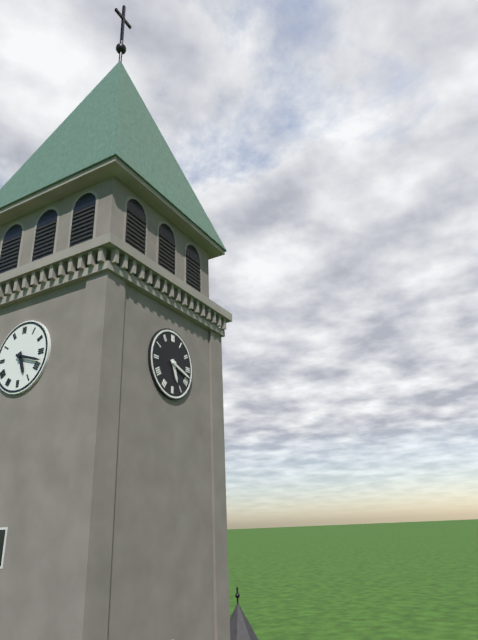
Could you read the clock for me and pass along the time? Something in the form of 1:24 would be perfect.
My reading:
5:18
